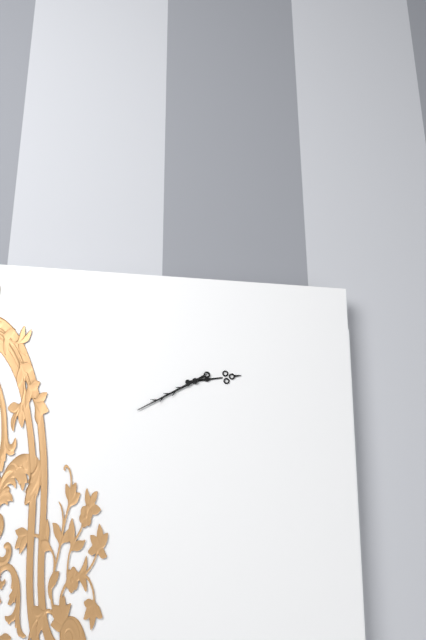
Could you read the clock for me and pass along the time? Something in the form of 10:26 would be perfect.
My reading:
2:40
